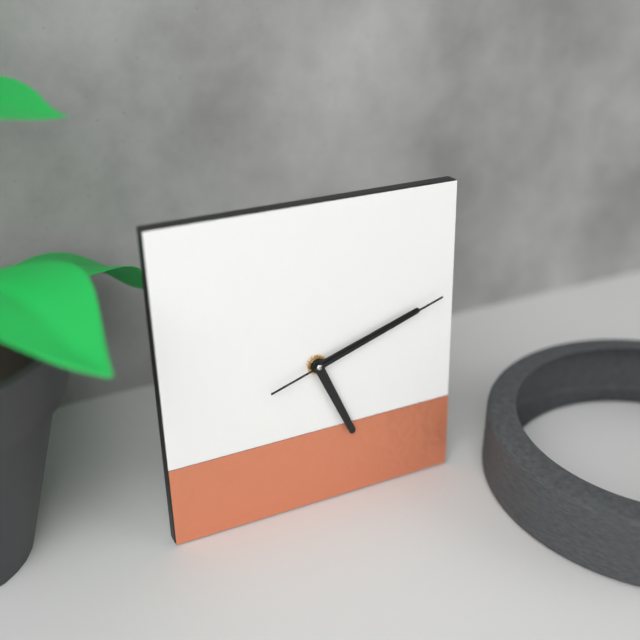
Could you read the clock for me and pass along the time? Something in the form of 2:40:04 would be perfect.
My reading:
5:12:12
